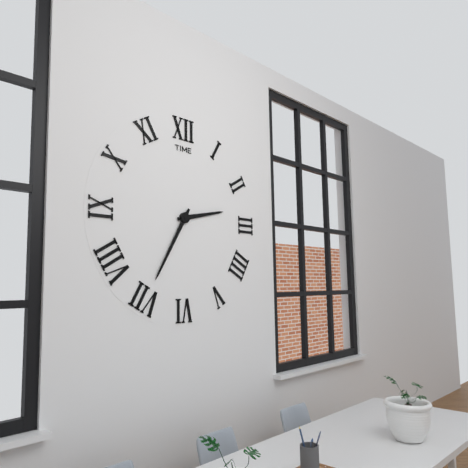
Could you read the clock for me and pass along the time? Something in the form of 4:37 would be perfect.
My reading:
2:35
